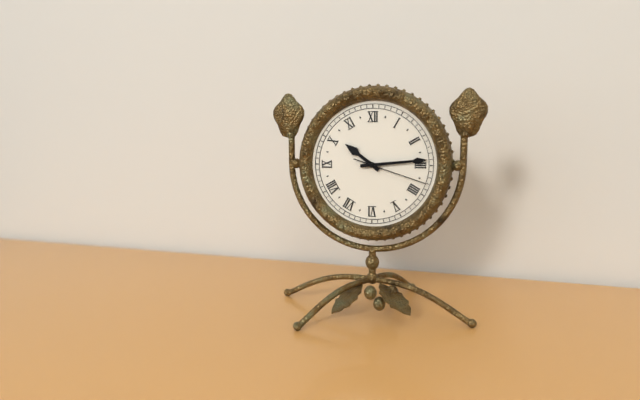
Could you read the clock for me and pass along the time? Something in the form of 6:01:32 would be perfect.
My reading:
10:14:18
